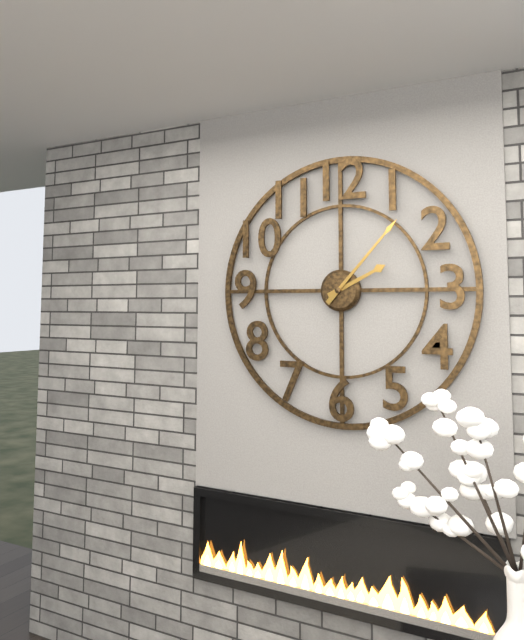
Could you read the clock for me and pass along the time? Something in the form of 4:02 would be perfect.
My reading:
2:07
